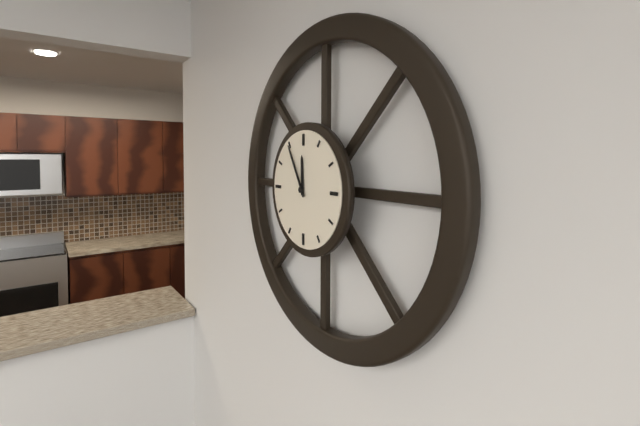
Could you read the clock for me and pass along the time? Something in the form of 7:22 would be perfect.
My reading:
11:55
